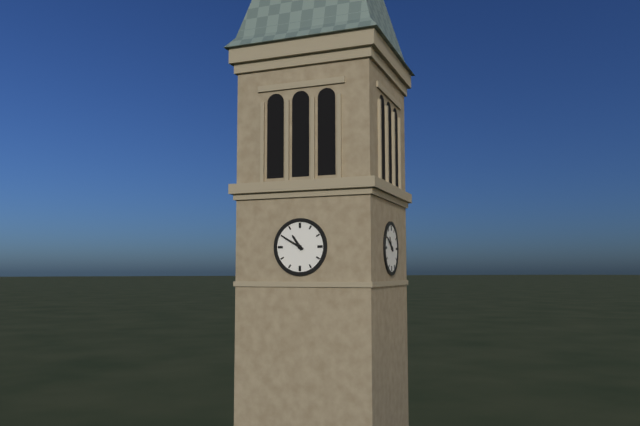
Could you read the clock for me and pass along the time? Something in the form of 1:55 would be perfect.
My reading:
10:50
